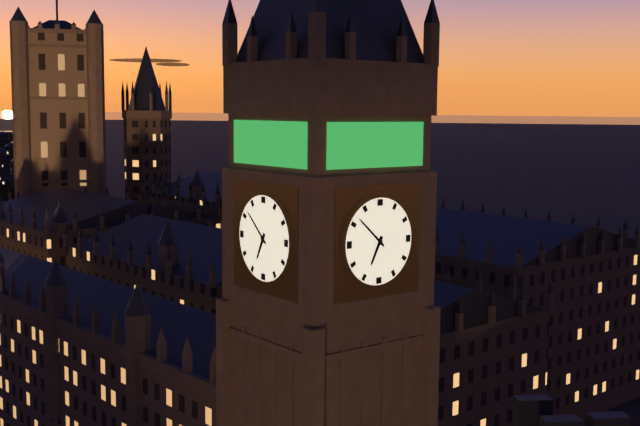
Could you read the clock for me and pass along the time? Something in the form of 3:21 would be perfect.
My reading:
6:52
